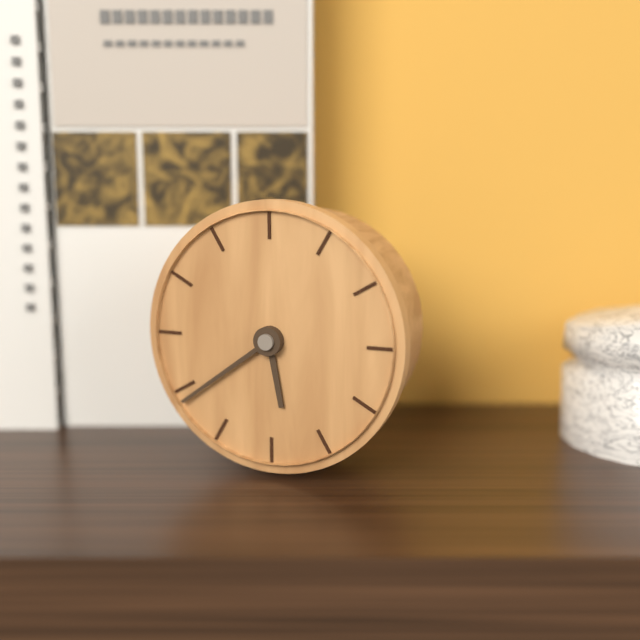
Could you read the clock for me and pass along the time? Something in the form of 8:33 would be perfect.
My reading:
5:39
